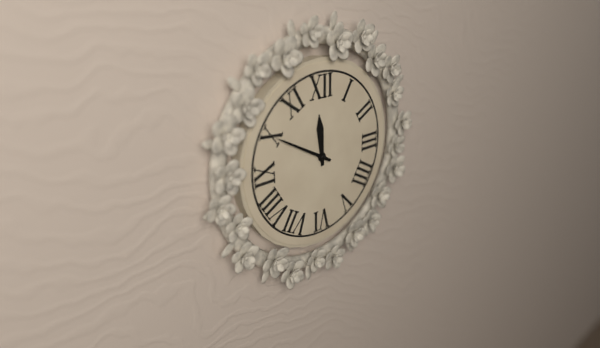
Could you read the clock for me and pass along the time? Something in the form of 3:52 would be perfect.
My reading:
11:50
